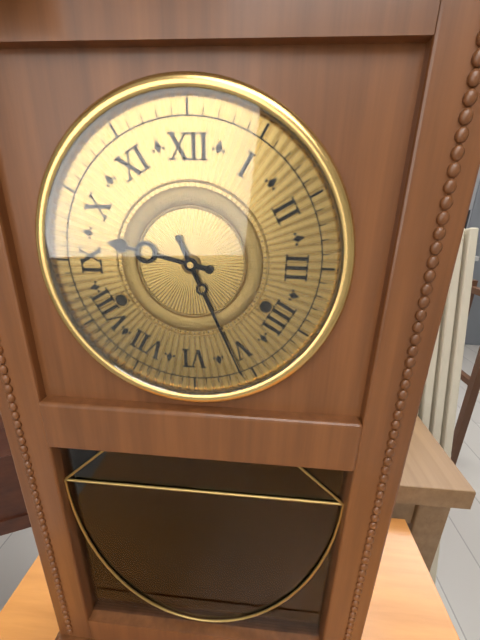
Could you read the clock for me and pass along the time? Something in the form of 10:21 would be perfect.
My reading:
9:26
